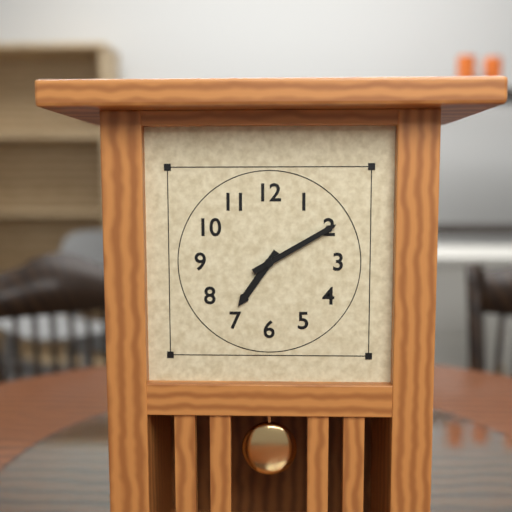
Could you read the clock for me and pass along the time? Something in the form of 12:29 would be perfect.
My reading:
7:10
